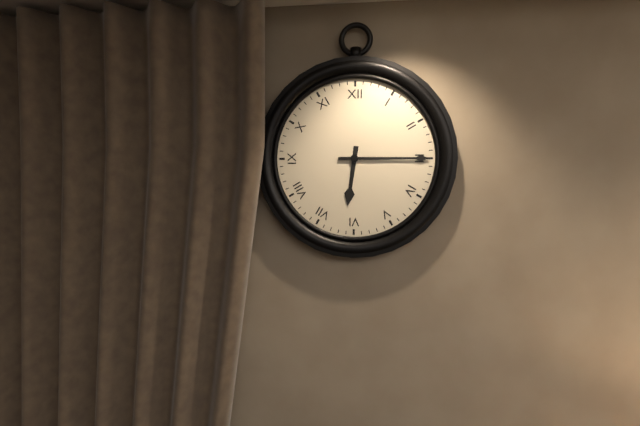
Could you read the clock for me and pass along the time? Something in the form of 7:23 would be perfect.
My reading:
6:15
